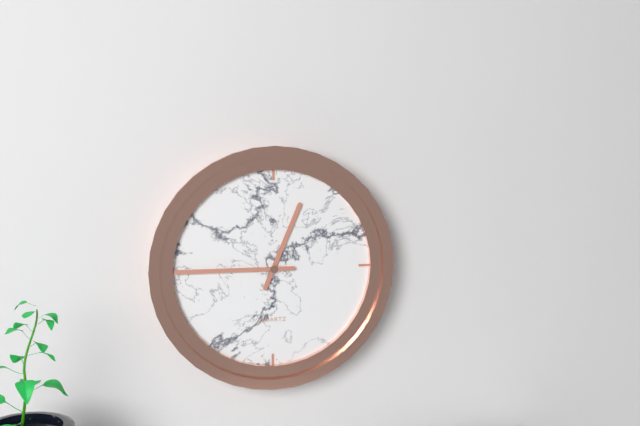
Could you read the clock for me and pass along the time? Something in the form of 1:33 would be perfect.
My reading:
12:45
